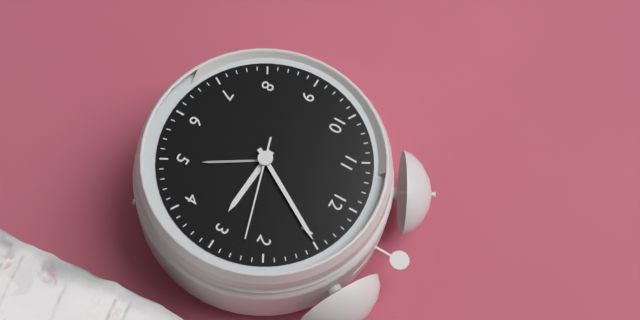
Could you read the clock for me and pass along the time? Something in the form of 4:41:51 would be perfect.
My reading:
3:05:12
